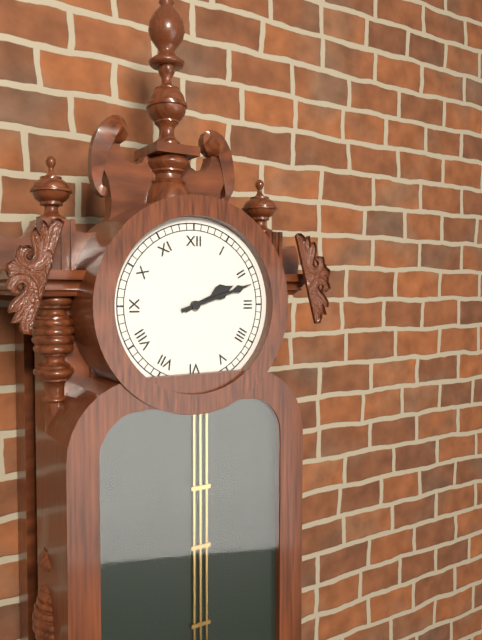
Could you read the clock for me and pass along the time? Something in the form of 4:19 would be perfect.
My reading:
2:12
